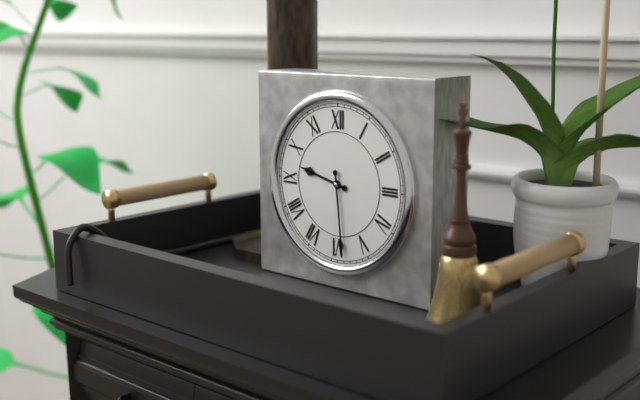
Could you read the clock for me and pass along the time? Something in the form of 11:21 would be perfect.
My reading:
9:29
